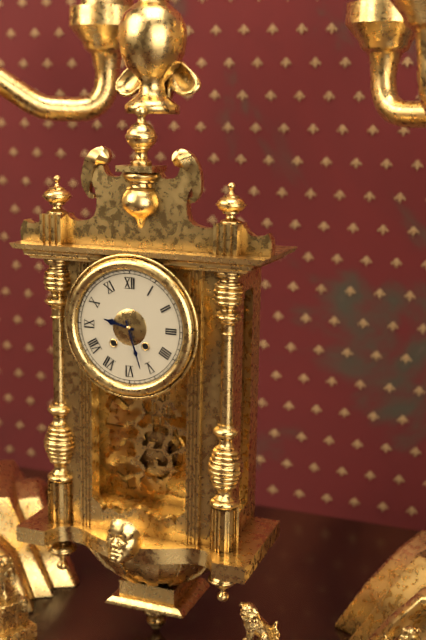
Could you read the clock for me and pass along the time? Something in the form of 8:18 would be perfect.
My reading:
9:27
